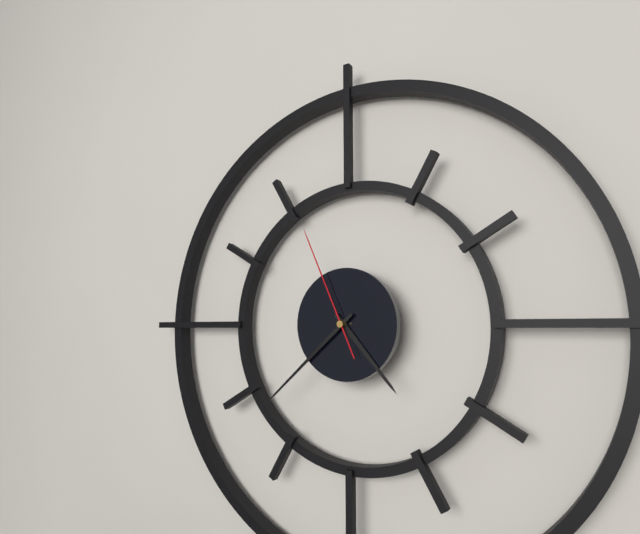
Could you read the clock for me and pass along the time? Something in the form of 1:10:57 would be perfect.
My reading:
4:38:56
